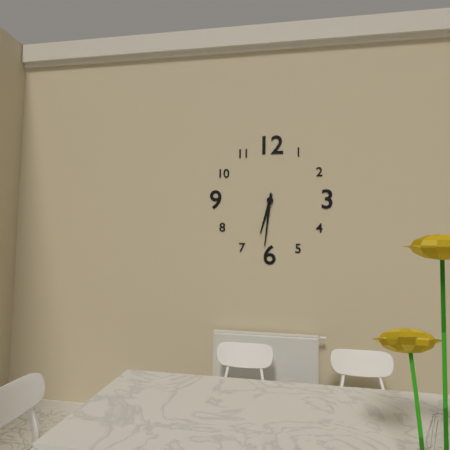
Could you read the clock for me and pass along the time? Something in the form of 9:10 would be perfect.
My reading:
6:31
